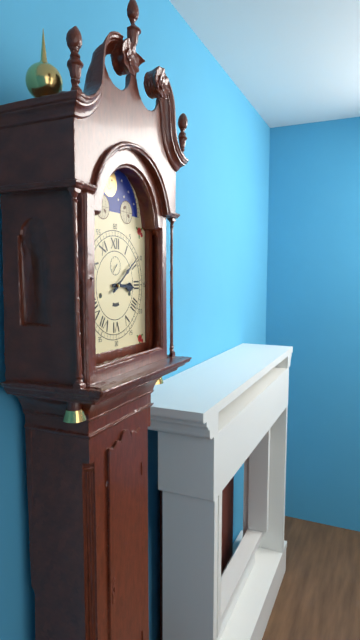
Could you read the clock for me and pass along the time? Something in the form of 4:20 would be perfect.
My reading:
3:09
